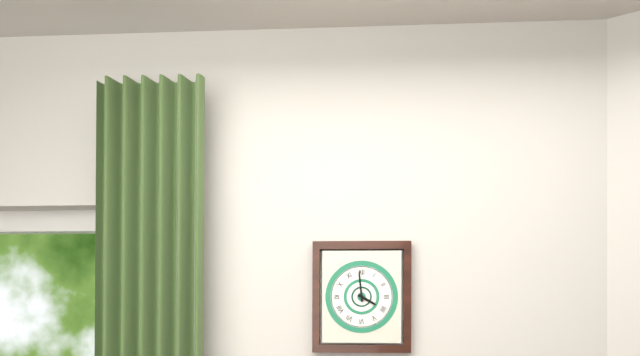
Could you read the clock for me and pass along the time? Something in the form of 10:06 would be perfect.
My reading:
3:59
